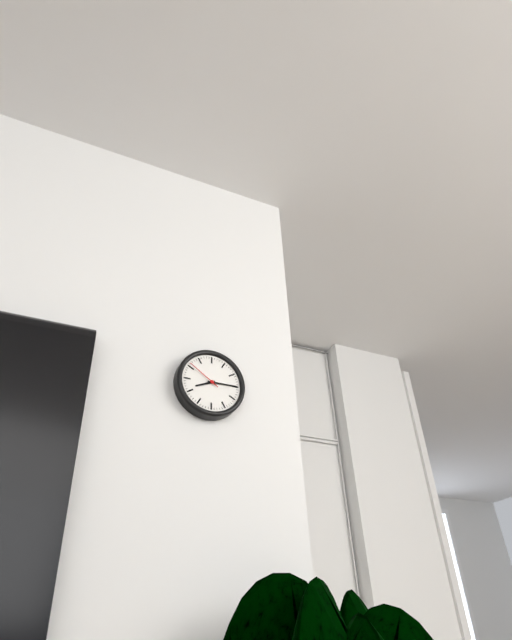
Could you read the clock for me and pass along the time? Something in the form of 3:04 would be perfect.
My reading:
8:15
